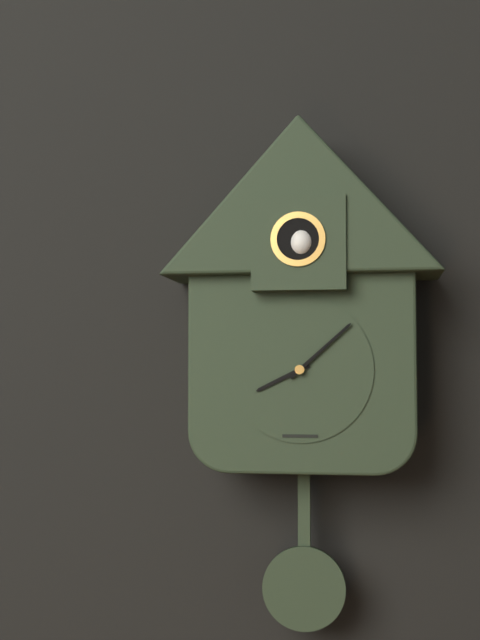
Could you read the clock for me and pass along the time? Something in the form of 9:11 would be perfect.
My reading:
8:08
